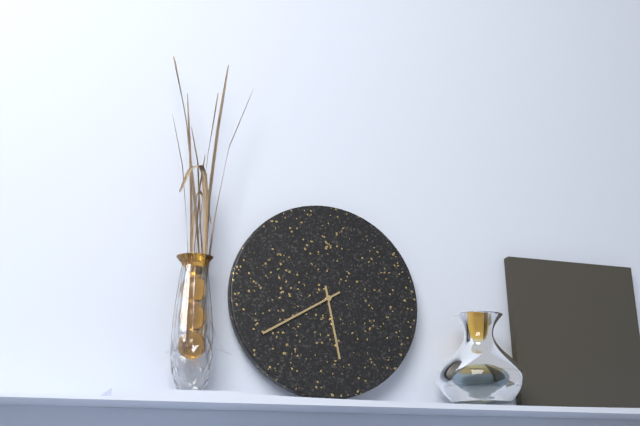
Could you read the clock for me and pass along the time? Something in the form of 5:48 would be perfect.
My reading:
5:40
